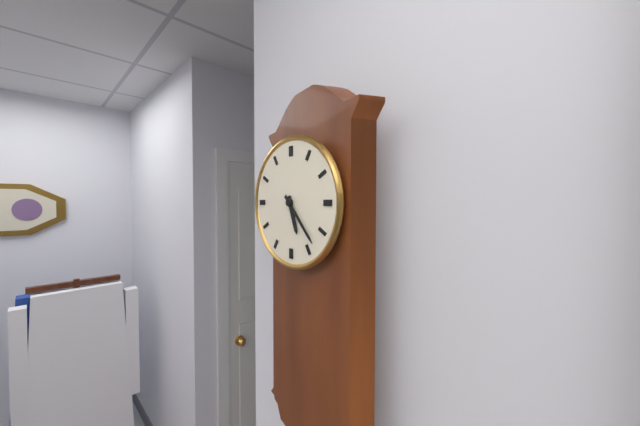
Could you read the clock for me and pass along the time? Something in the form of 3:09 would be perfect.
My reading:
5:23
